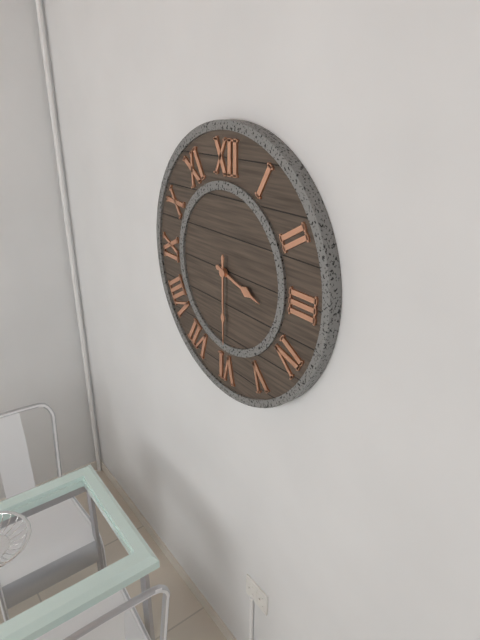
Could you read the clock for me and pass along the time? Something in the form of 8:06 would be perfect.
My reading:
3:30
